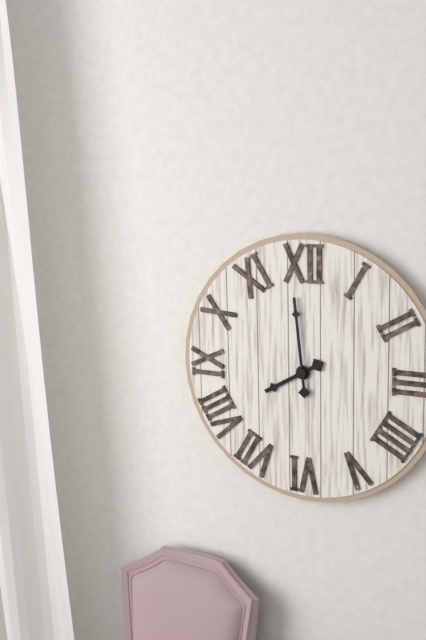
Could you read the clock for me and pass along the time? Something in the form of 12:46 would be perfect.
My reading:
7:59
